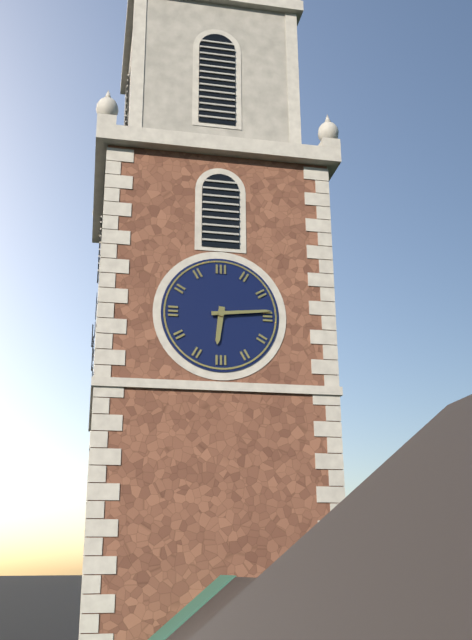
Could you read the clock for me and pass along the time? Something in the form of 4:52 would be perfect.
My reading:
6:14
